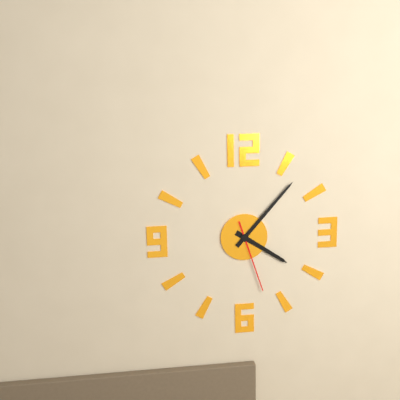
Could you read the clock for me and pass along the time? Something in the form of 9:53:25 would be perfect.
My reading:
4:07:27
